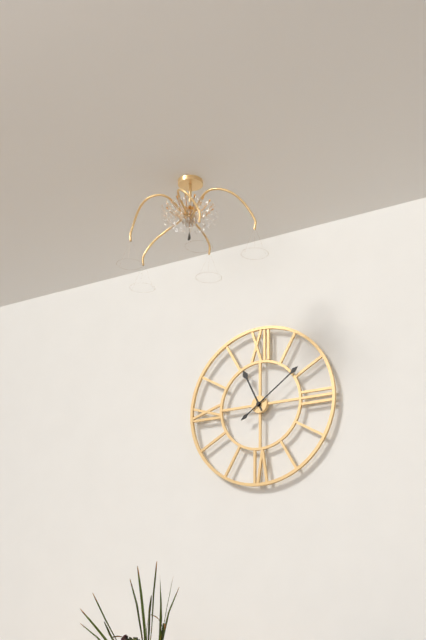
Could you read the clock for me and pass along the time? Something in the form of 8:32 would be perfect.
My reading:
11:09
